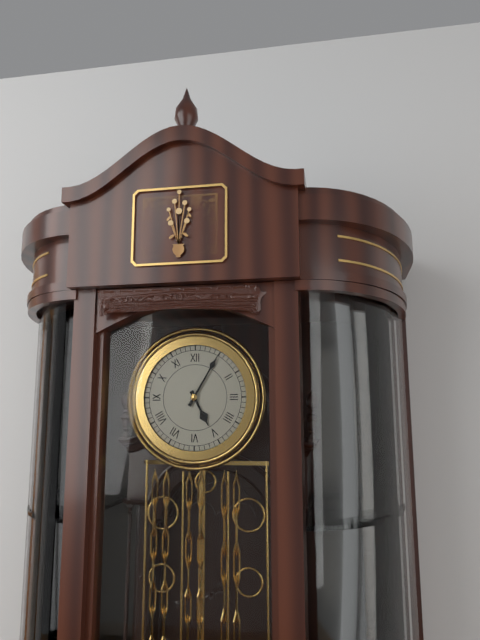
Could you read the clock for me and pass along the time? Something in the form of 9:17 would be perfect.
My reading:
5:05
